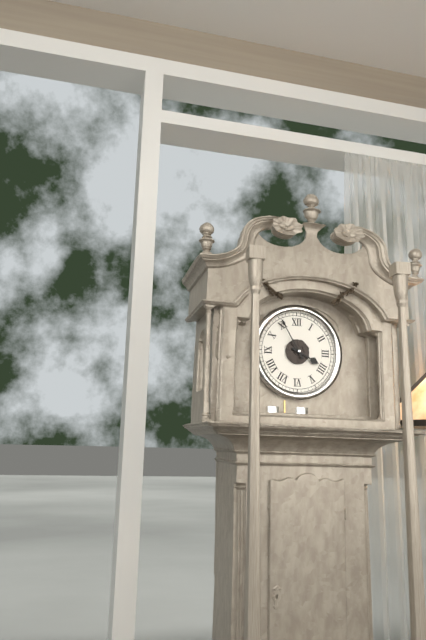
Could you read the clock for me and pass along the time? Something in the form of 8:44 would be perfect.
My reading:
3:55
